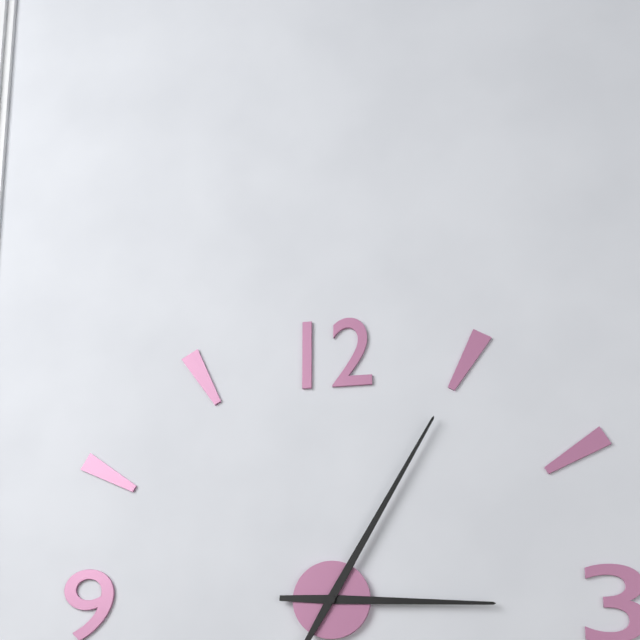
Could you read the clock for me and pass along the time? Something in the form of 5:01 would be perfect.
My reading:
3:05
